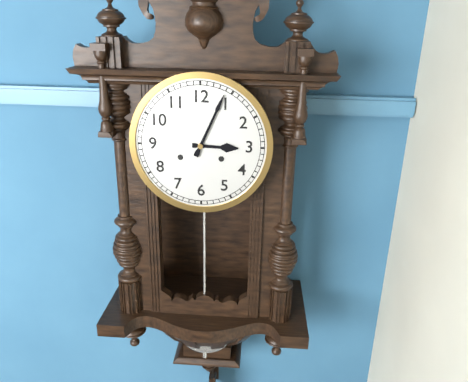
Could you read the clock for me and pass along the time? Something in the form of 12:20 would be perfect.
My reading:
3:04
